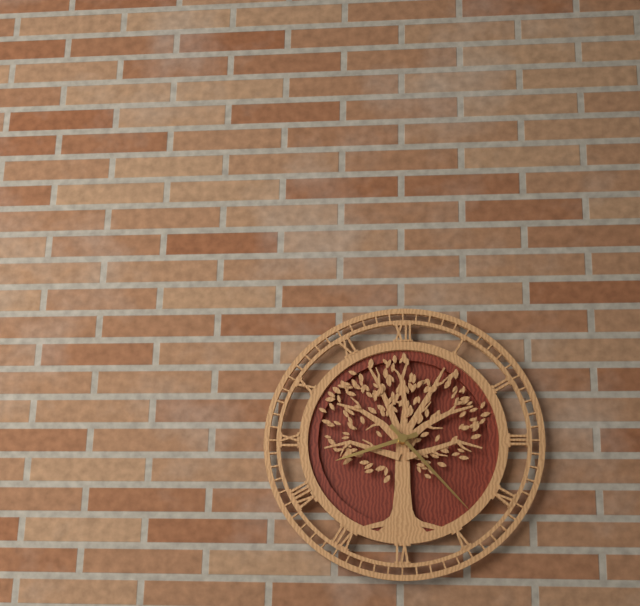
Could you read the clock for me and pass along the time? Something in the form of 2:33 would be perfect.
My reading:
8:23
